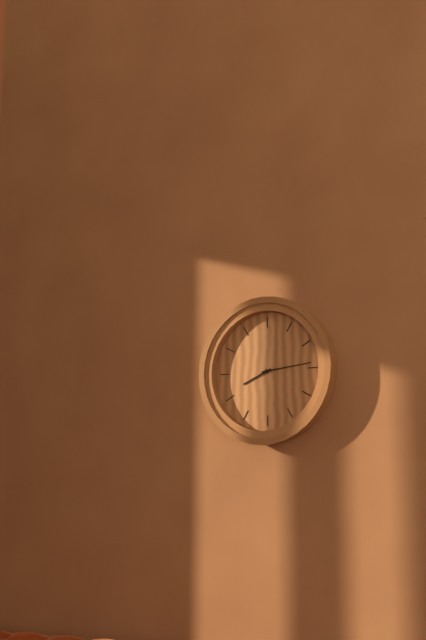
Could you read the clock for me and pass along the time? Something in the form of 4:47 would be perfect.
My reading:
8:14
